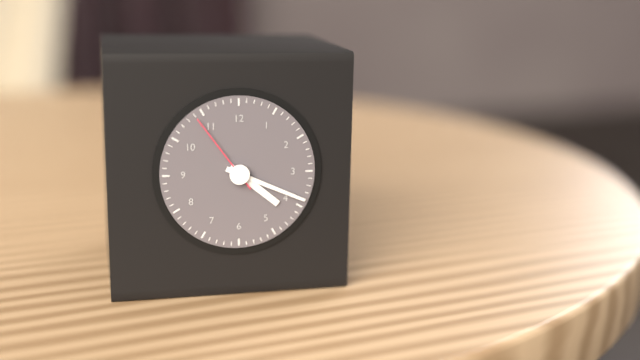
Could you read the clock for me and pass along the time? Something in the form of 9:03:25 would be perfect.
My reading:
4:19:54
